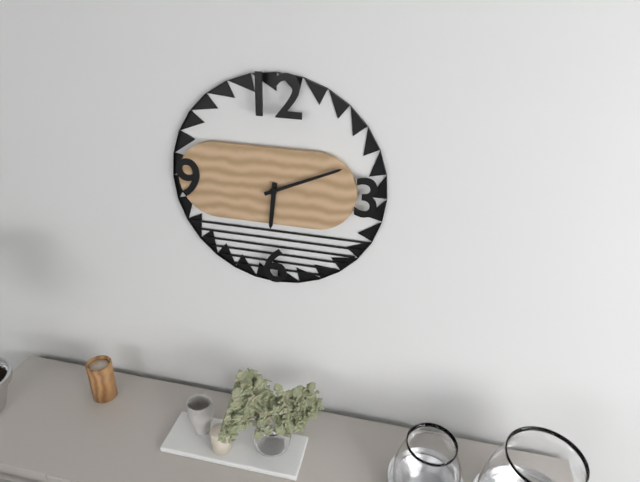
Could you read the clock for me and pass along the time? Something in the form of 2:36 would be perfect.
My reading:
6:11
